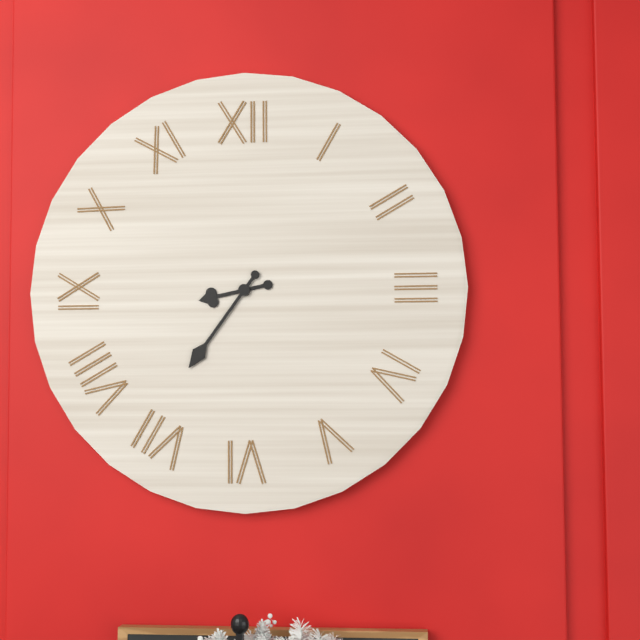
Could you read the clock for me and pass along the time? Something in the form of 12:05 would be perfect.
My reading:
8:36
